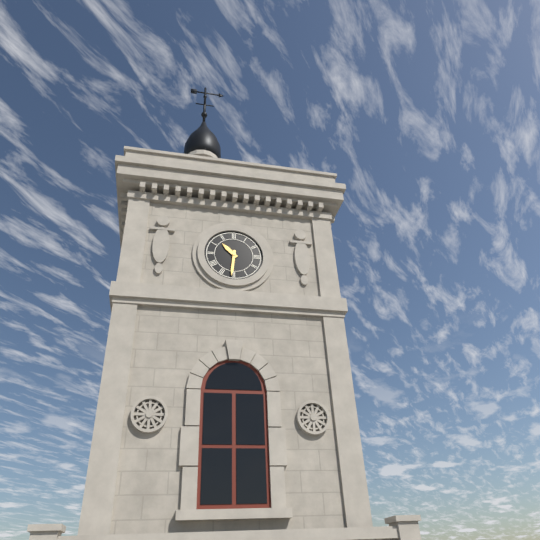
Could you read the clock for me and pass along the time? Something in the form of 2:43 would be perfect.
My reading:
10:31
